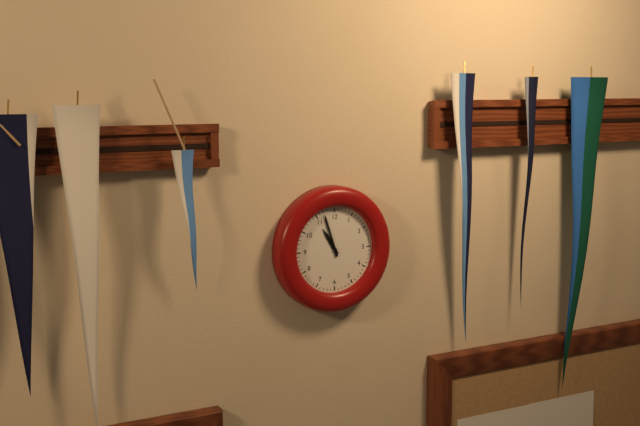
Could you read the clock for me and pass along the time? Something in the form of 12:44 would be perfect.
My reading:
10:57
